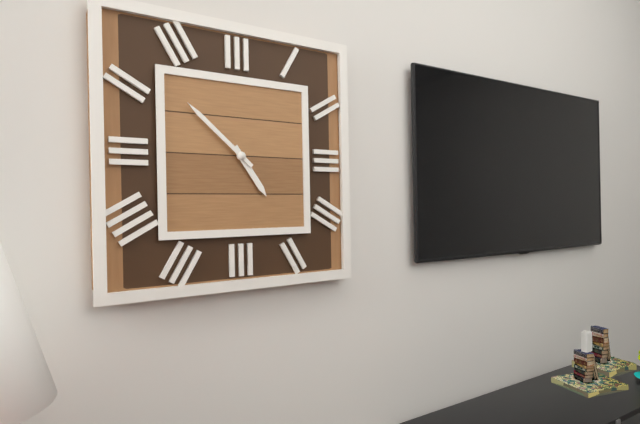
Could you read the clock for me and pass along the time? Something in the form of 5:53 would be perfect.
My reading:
4:52
